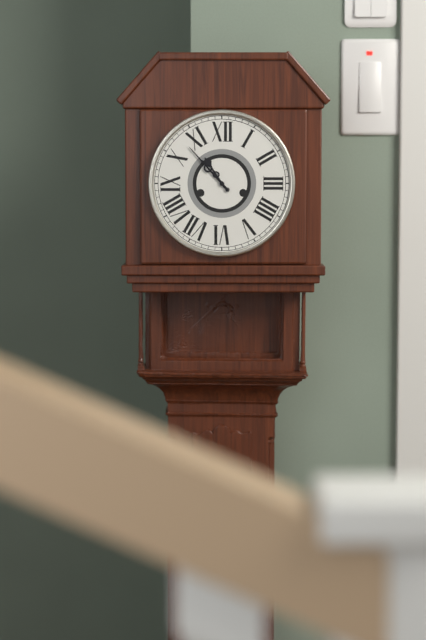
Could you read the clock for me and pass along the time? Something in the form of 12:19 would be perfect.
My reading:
10:53
